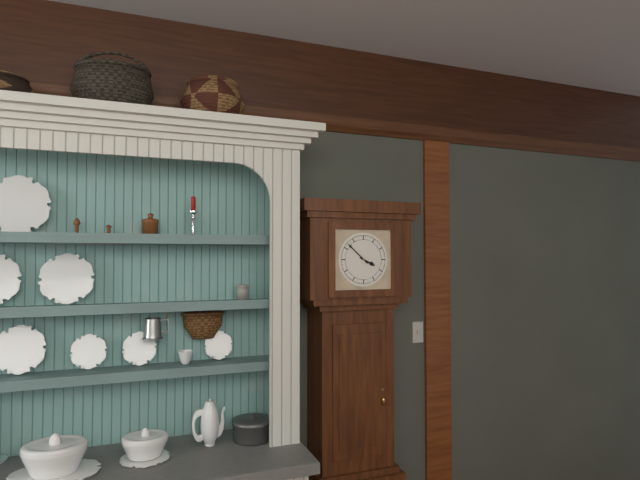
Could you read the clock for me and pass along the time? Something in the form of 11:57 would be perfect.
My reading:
3:52
